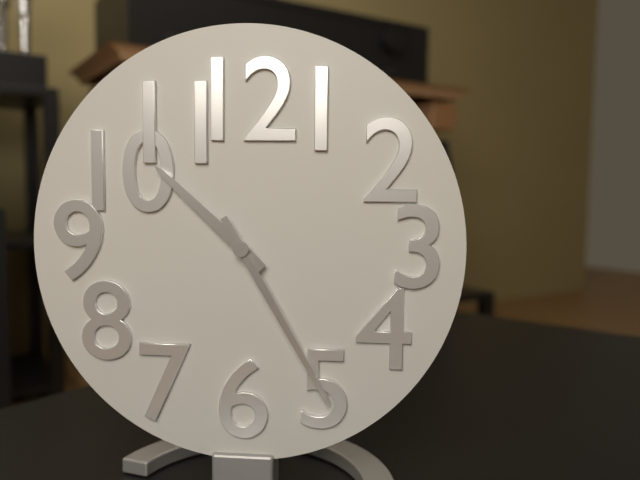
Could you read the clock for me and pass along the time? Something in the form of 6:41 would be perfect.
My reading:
10:25
